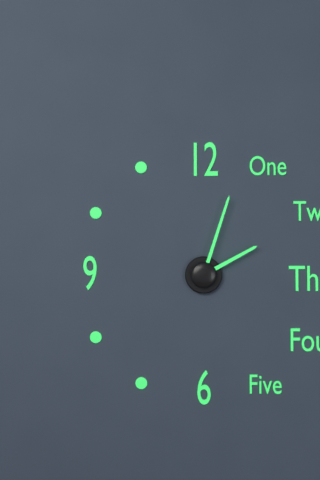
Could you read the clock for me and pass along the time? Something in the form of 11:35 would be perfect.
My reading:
2:03
